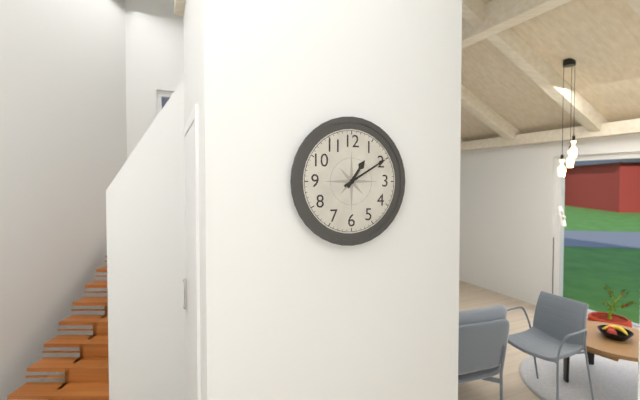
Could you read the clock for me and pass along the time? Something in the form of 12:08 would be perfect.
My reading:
1:10
